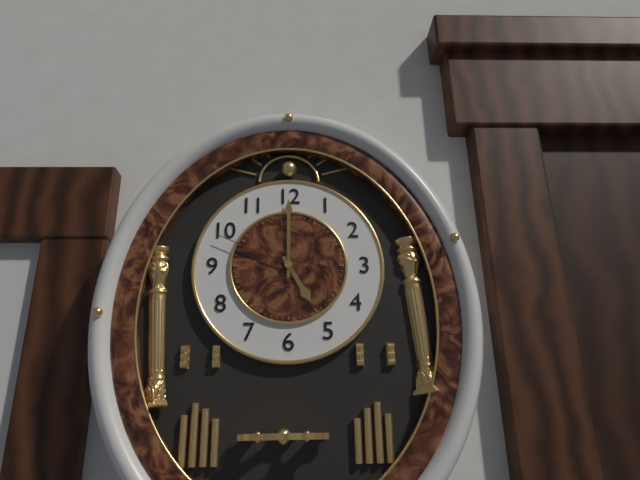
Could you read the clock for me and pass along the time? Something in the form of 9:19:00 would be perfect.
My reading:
5:00:49
